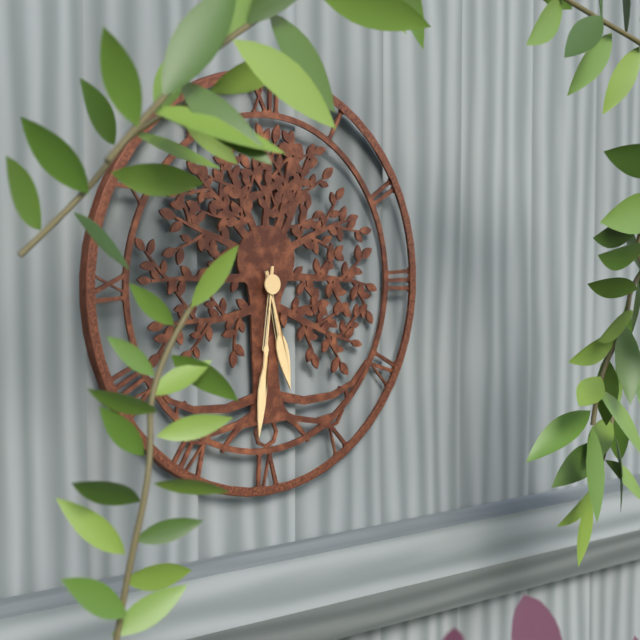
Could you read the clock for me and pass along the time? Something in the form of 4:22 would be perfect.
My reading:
5:31
